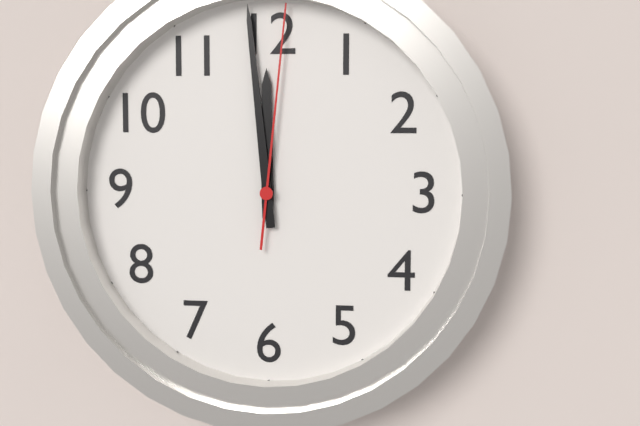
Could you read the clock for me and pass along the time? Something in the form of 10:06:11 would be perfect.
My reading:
11:59:01
